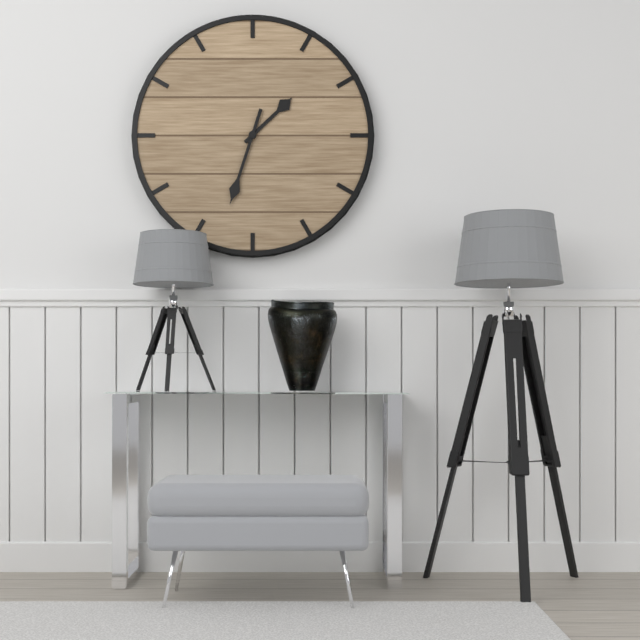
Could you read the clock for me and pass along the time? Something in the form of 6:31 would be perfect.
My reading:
1:33
